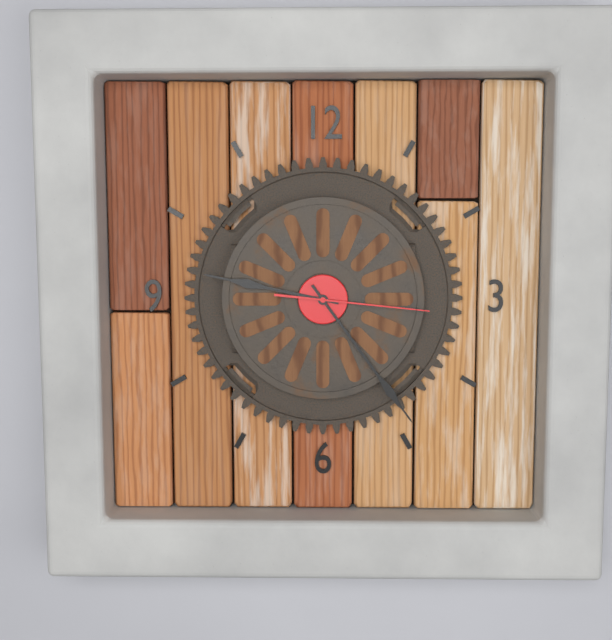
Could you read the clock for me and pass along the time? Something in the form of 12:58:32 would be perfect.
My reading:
9:24:16
